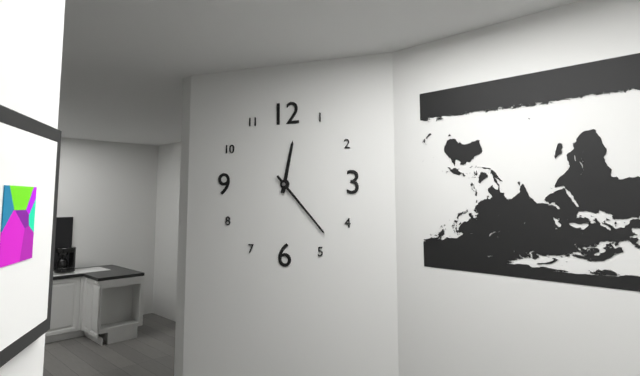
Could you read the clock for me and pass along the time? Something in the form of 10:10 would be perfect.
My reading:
12:23
